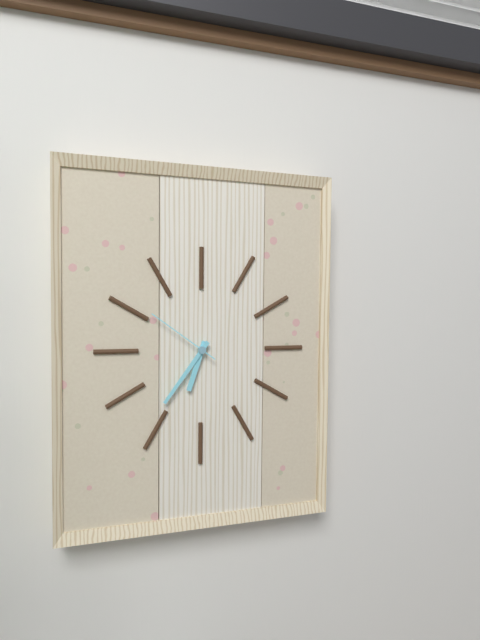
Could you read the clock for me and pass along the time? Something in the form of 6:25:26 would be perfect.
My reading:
6:36:51
